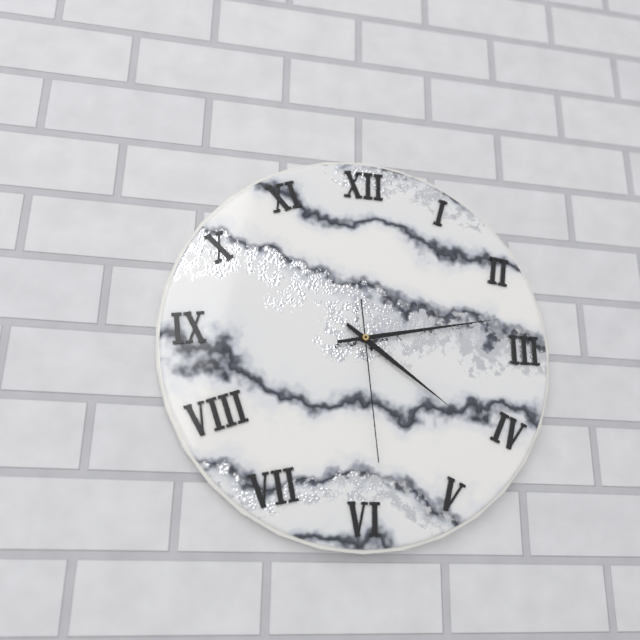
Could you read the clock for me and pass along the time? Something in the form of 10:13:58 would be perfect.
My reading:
4:13:29
